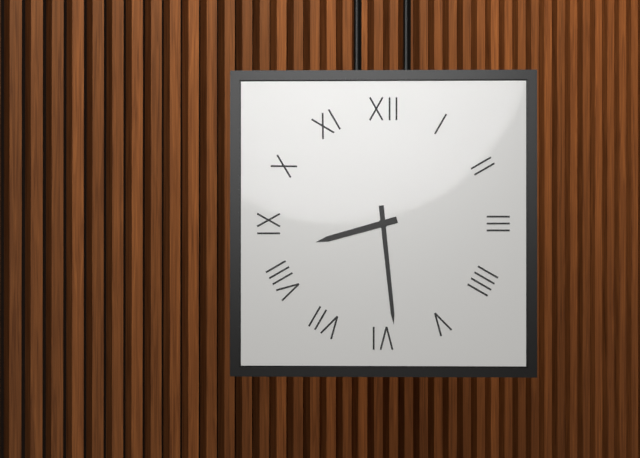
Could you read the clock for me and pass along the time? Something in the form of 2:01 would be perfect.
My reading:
8:29
